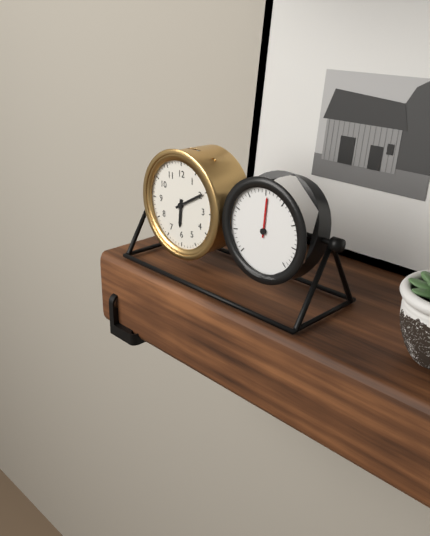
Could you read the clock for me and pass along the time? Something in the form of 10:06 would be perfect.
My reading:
6:10
